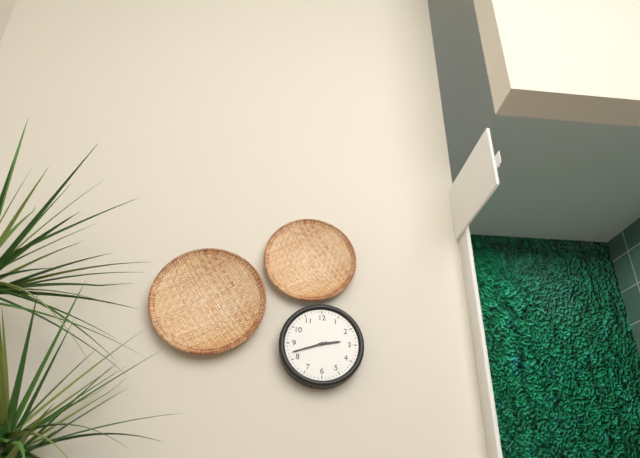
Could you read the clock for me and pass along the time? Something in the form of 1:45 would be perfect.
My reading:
2:42
